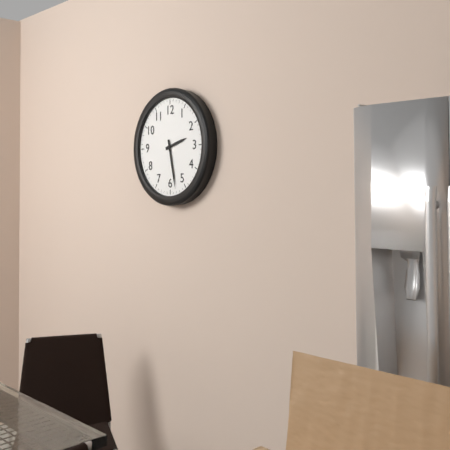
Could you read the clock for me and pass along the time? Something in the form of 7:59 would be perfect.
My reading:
2:28
